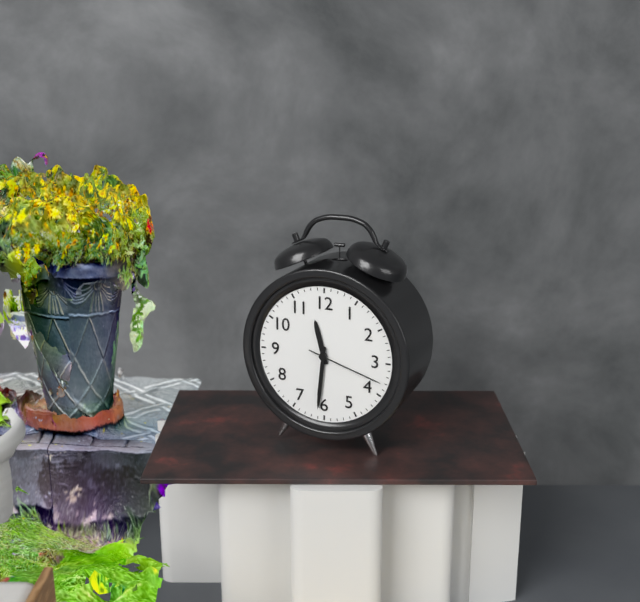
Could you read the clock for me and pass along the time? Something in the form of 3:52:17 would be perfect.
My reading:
11:31:18
